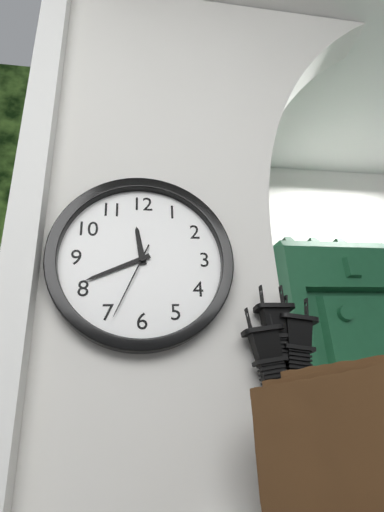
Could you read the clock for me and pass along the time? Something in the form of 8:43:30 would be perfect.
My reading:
11:41:34
